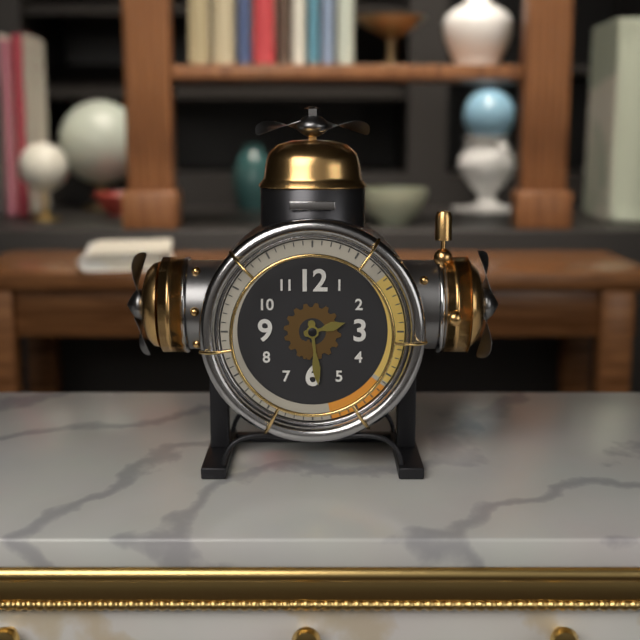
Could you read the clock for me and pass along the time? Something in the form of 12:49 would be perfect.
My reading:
2:29
